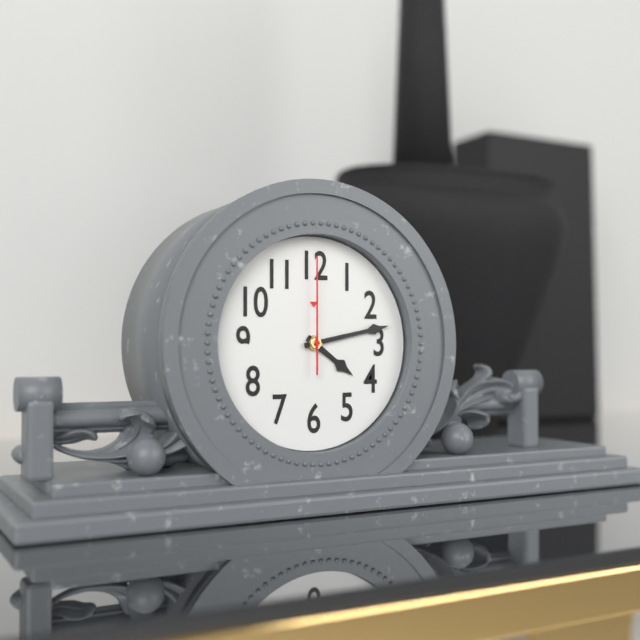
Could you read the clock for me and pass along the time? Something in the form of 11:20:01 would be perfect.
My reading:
4:13:00
